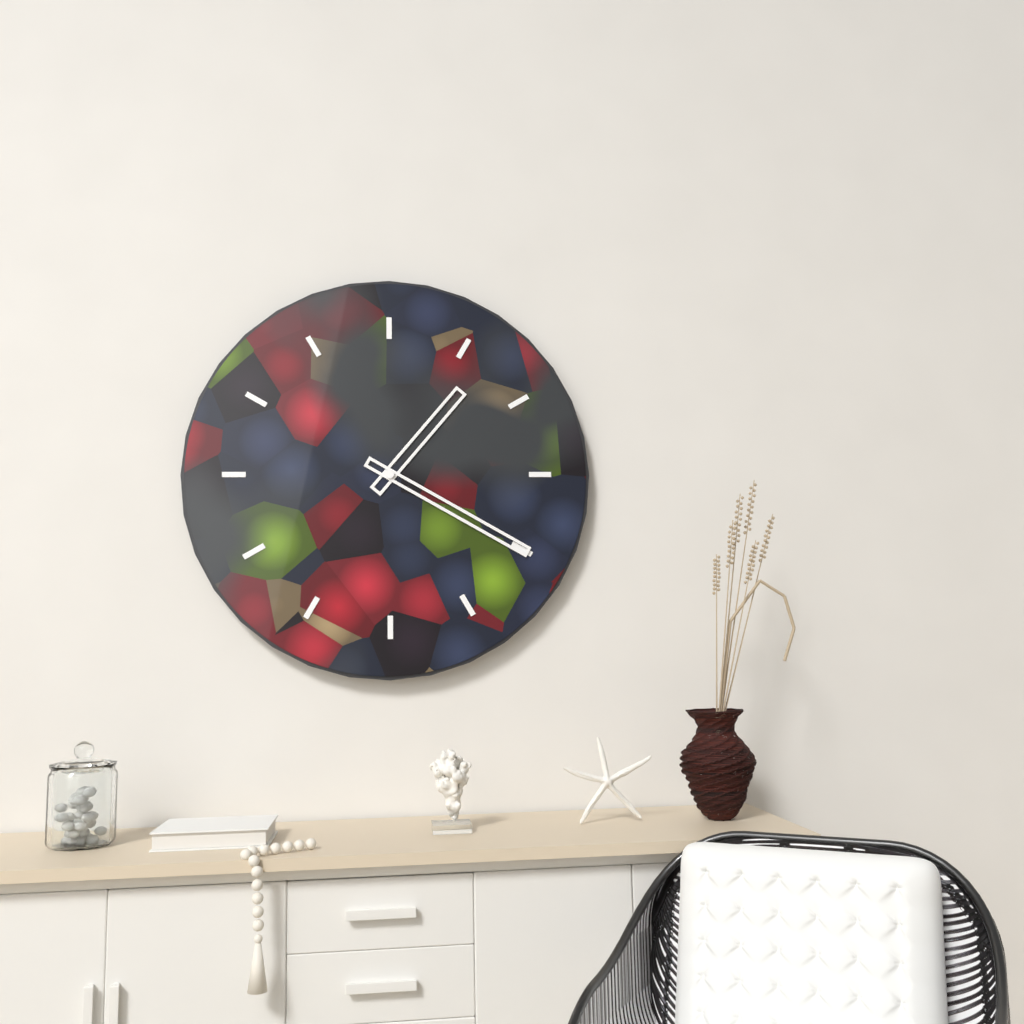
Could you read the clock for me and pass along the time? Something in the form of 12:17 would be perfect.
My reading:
1:20
